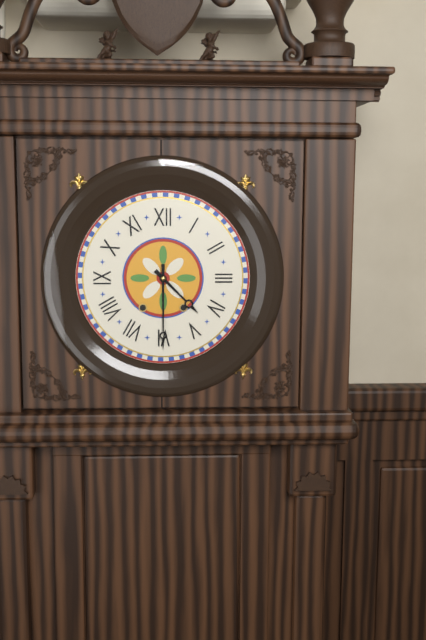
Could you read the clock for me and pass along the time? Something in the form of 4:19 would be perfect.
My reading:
4:30
